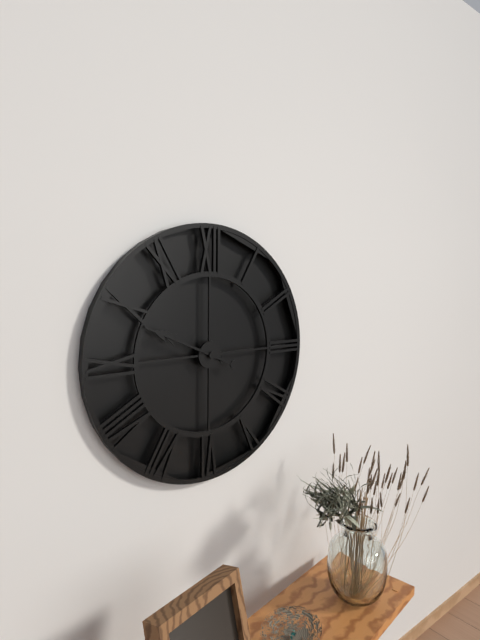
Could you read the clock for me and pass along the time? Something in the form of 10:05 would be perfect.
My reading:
9:49
